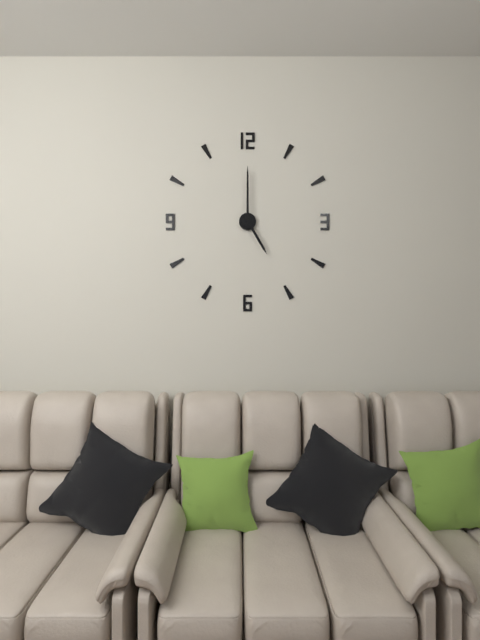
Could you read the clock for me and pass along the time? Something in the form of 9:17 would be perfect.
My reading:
5:00
